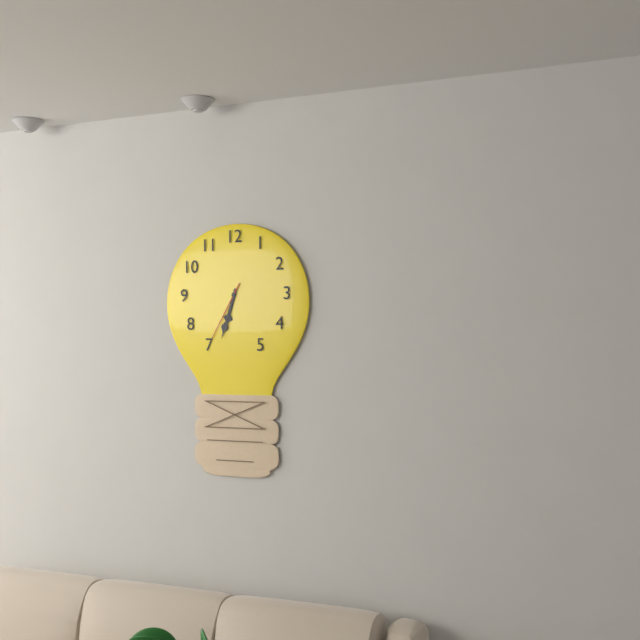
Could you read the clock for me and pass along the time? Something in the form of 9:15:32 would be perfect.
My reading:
6:33:35
